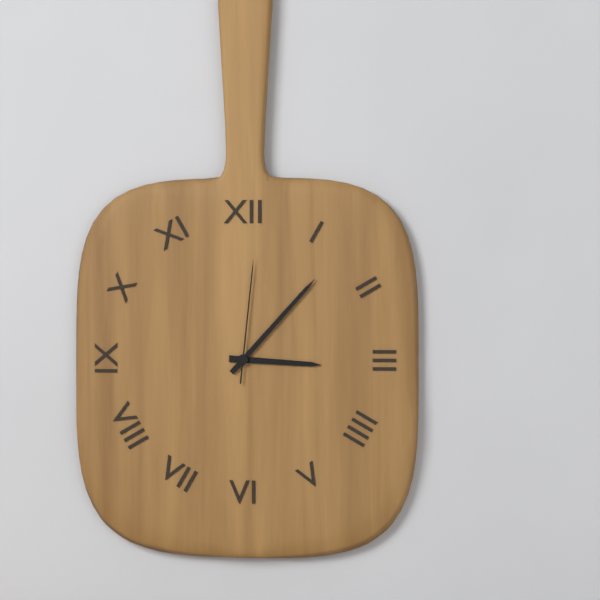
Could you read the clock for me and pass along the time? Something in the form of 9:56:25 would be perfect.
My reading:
3:07:01
